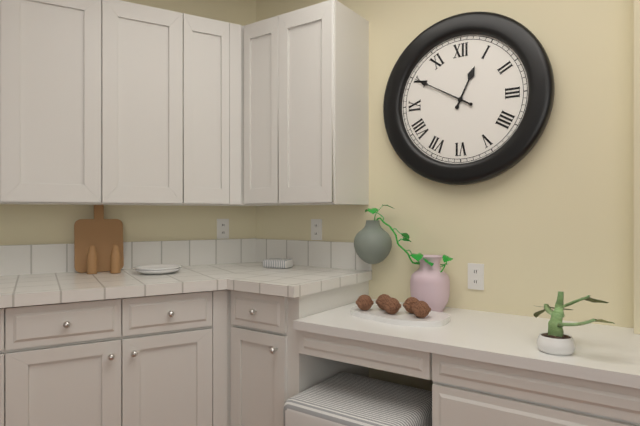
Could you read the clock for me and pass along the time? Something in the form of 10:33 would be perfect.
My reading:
12:50
